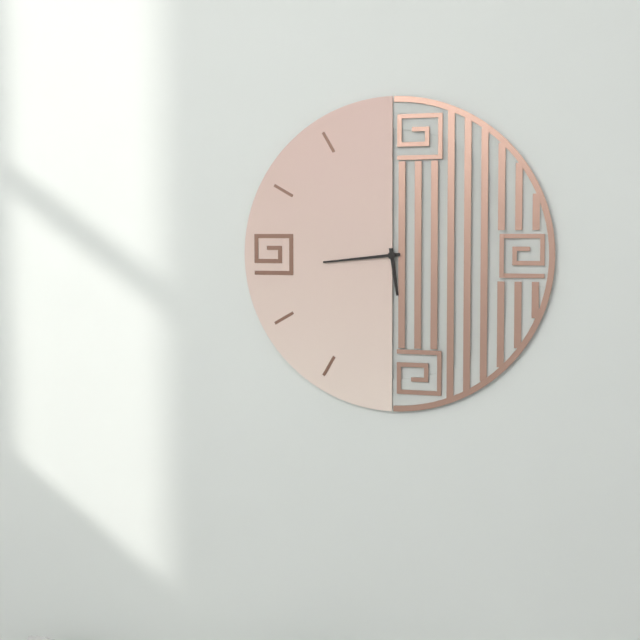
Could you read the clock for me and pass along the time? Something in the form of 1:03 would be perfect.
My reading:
5:44
